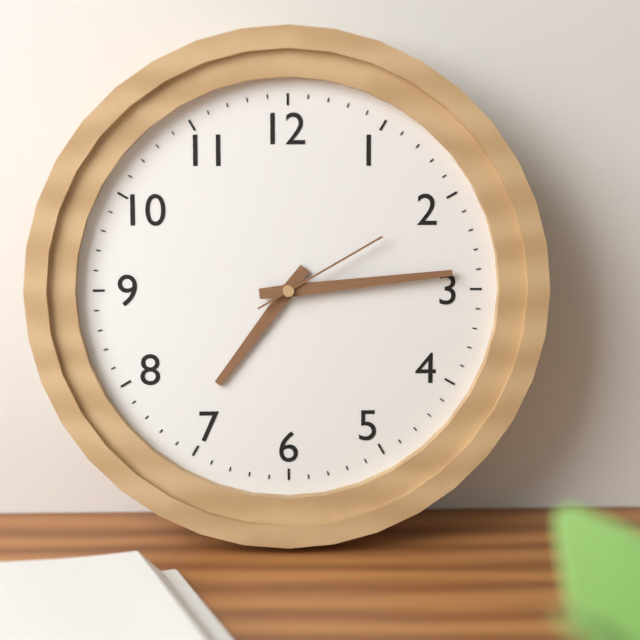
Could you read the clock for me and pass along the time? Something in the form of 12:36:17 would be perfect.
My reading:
7:14:10
